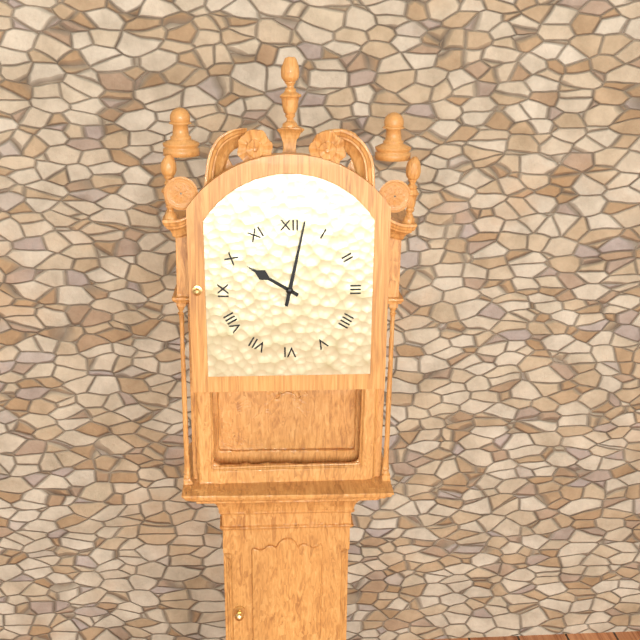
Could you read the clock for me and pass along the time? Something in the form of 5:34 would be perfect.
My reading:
10:02
